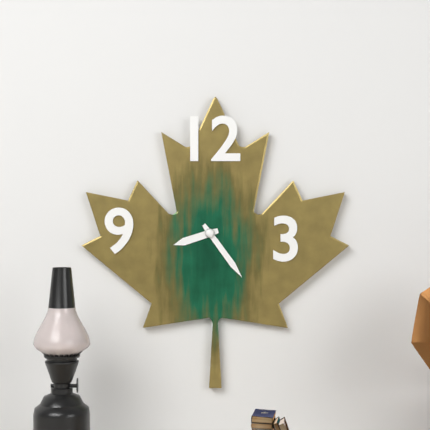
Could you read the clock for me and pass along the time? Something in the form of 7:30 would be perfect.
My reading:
8:24
